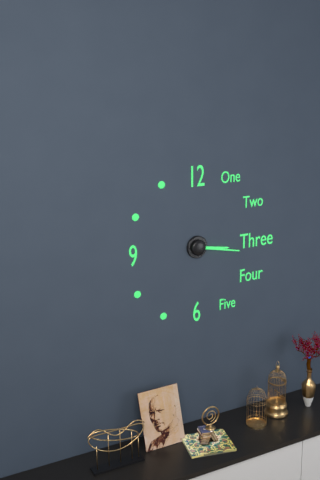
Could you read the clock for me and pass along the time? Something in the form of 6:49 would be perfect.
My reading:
3:17
